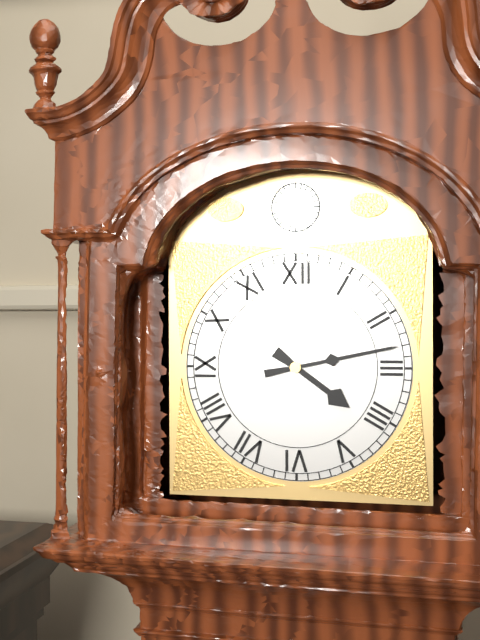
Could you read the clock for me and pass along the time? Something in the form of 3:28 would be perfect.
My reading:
4:13
